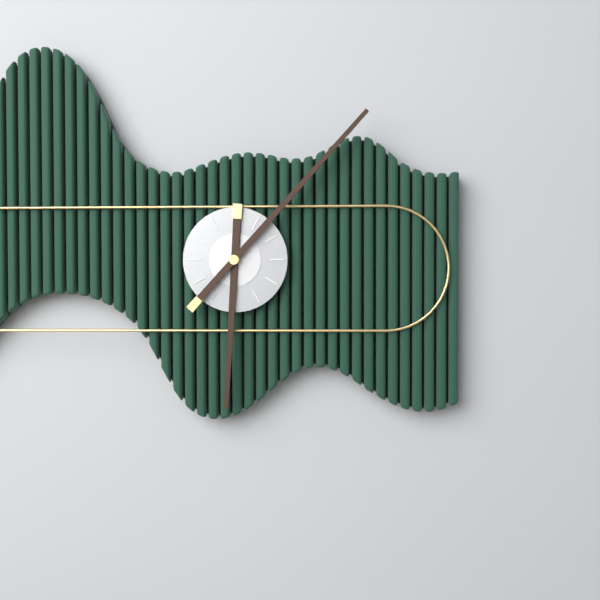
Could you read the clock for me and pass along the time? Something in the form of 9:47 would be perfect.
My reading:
6:07
